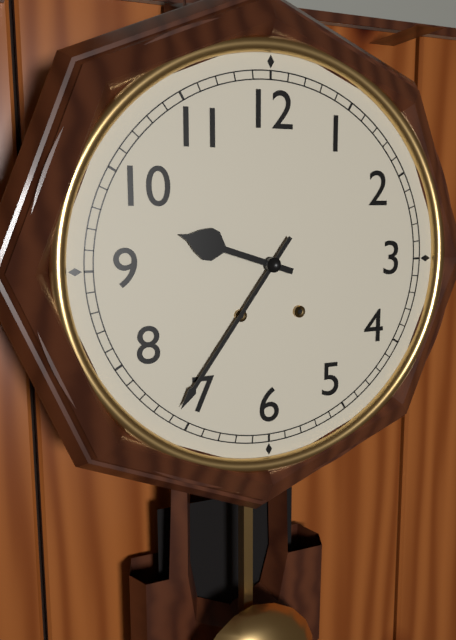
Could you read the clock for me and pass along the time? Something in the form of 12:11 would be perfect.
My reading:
9:36
